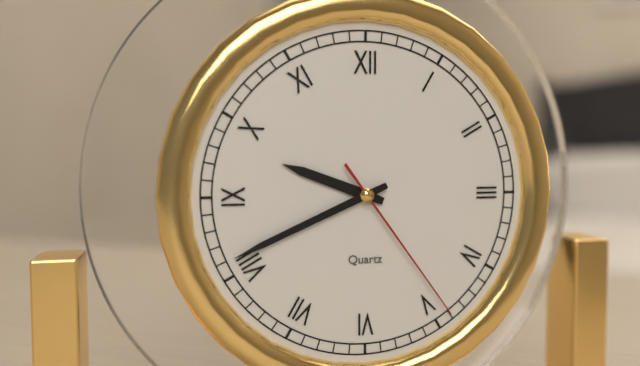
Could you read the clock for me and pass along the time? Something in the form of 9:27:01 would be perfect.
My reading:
9:41:24
